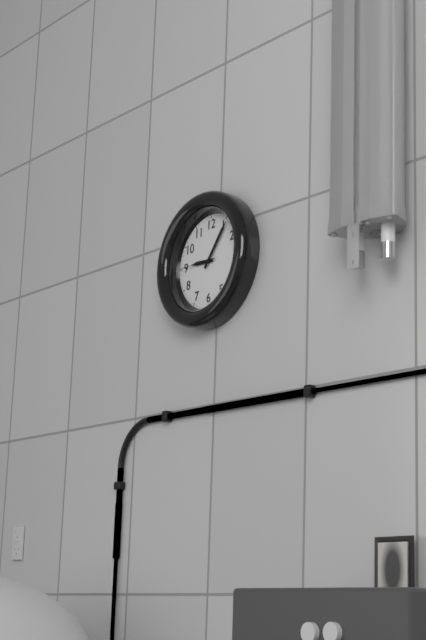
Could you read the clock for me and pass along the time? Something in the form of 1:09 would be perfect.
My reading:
9:06
